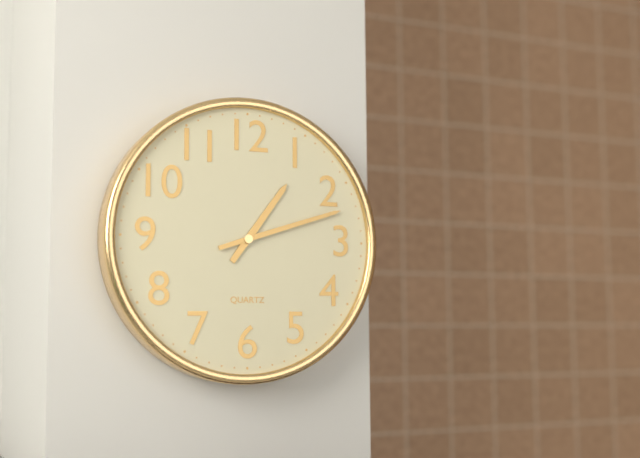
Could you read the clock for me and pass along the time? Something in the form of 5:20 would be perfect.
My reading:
1:12
